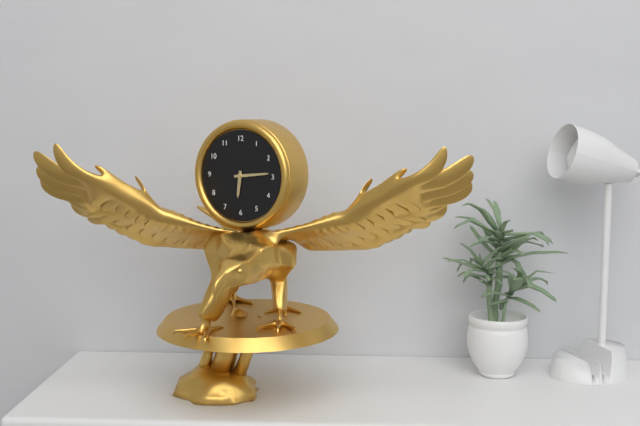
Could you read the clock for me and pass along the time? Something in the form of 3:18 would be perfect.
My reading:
6:14
